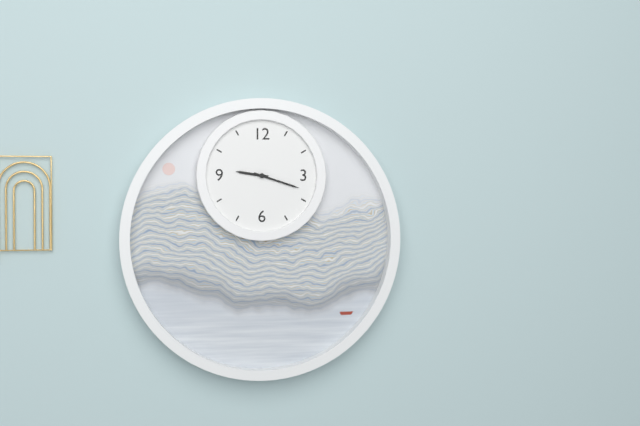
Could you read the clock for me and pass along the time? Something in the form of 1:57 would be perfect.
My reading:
9:18
